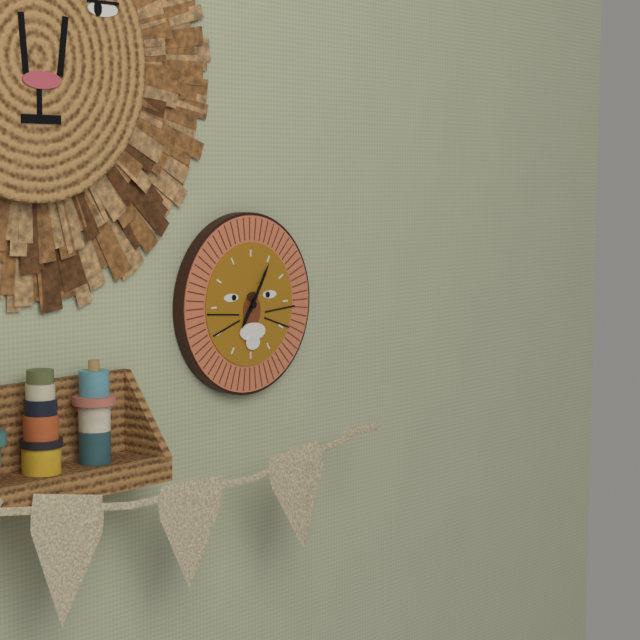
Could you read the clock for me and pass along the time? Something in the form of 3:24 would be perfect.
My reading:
7:05
